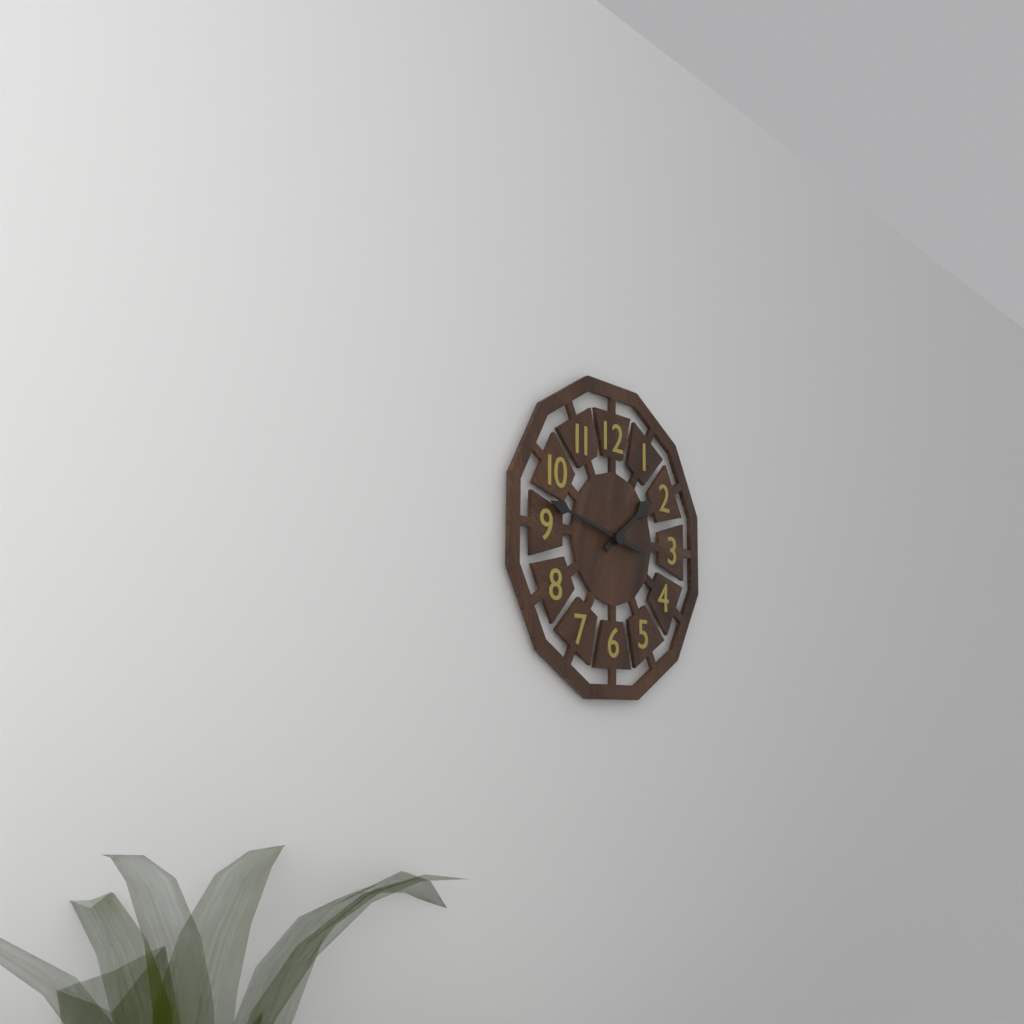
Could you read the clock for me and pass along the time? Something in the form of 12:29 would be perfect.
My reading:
1:47
